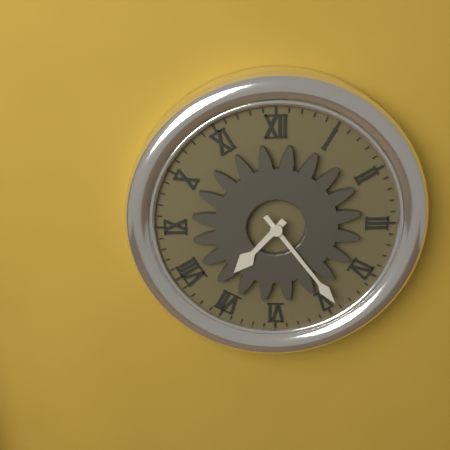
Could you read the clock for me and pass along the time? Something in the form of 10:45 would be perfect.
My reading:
7:24
